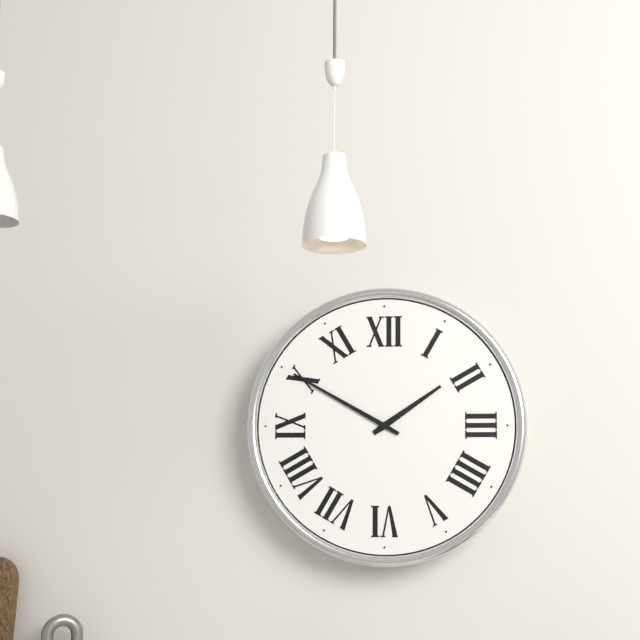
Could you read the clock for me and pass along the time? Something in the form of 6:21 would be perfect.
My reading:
1:50
